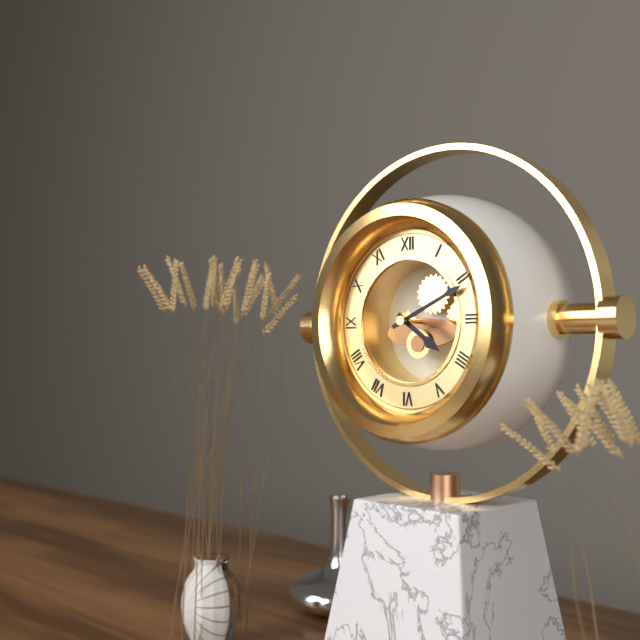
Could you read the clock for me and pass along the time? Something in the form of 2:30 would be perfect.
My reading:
4:11
